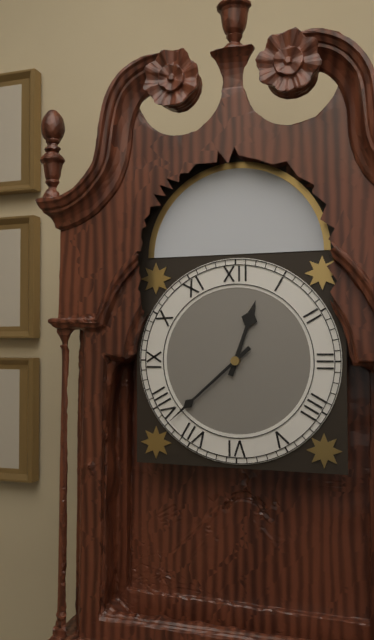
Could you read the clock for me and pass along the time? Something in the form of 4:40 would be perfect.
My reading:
12:38
